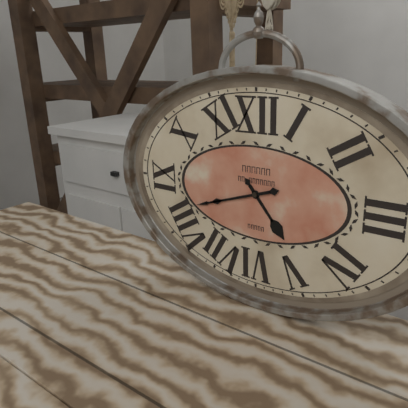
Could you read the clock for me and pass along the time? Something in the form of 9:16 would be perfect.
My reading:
4:42
